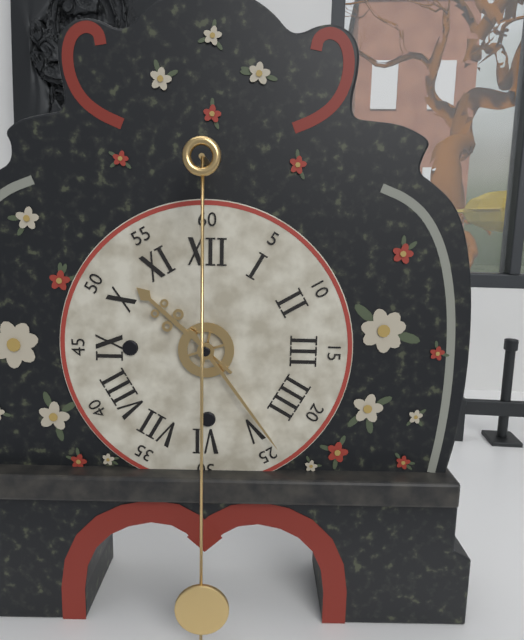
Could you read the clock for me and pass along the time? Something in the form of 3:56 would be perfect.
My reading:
10:24
